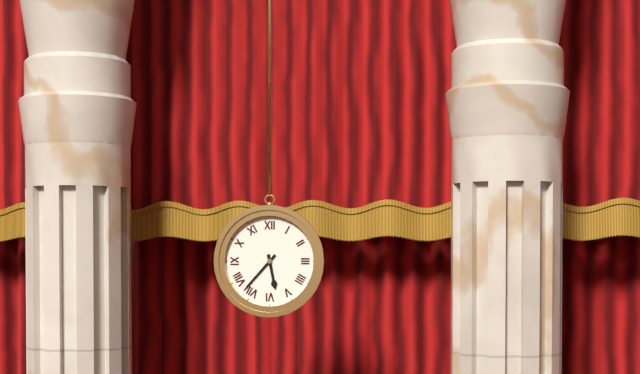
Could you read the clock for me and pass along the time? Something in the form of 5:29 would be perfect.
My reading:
5:37
